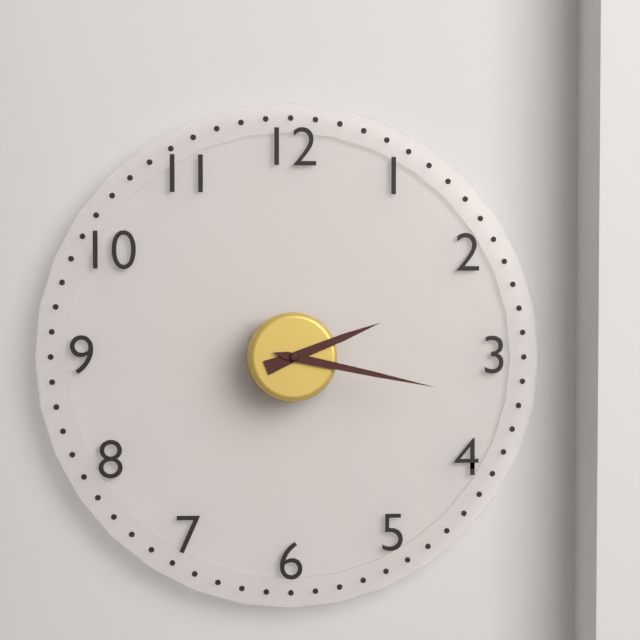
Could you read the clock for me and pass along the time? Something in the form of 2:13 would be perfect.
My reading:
2:17
